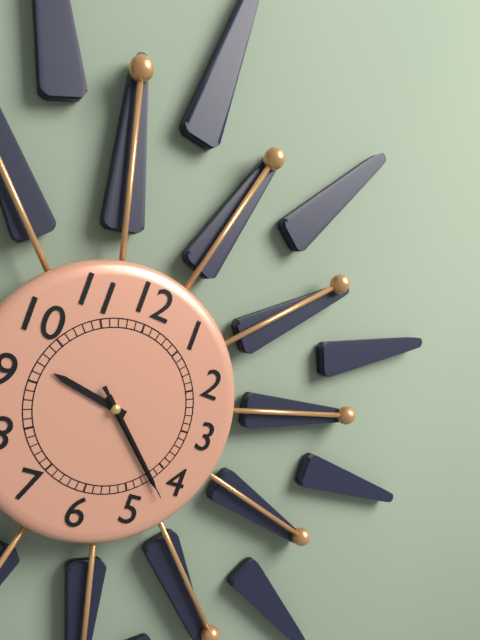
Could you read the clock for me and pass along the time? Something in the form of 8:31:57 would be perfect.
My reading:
9:22:22
